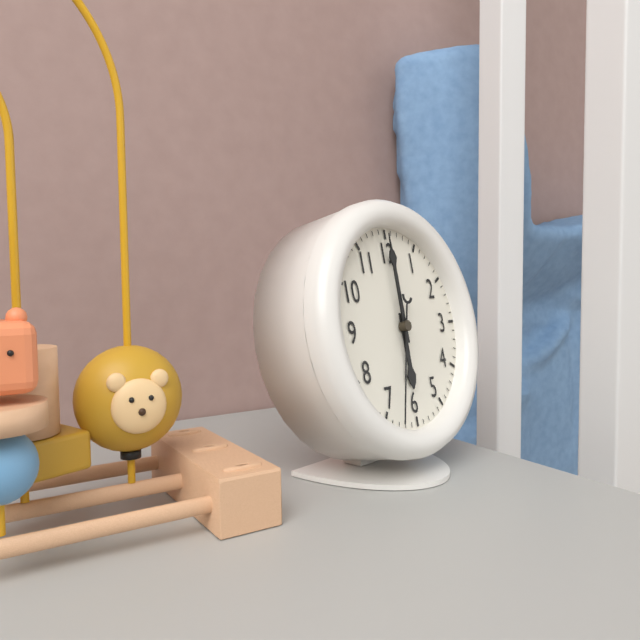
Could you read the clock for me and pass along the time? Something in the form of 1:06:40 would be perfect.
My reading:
6:00:33
